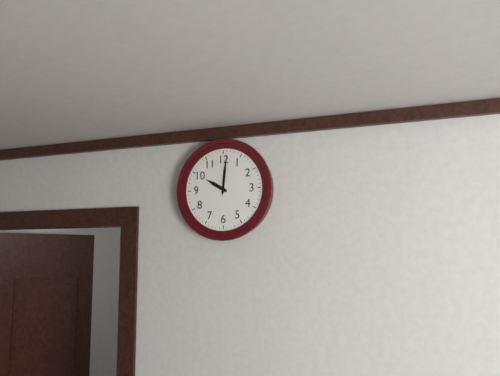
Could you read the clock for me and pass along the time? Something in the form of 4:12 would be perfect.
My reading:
10:01
